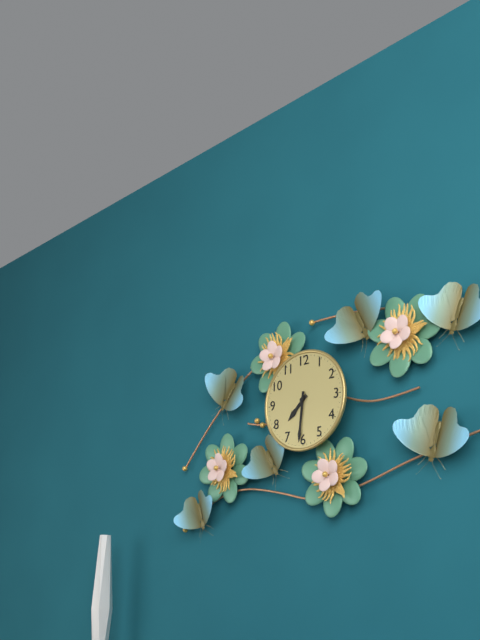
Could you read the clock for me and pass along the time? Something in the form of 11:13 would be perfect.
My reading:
7:31
